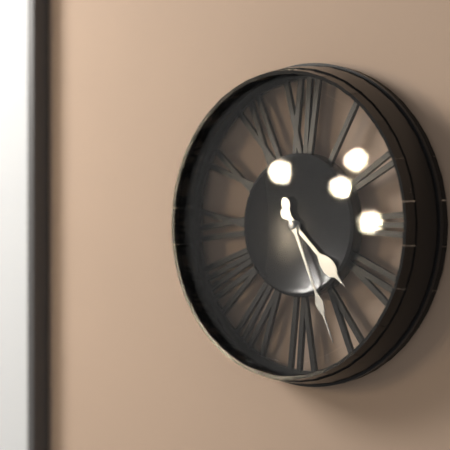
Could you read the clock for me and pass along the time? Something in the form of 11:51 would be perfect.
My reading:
4:26
